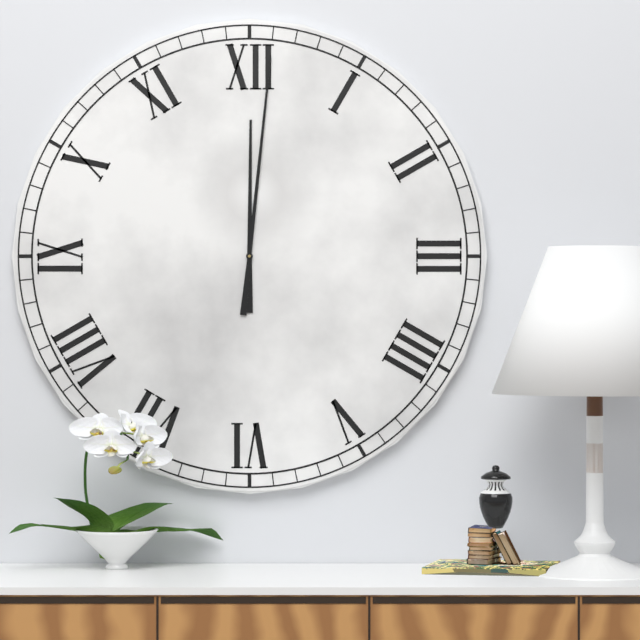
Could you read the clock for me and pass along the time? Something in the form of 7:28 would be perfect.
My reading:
12:01
